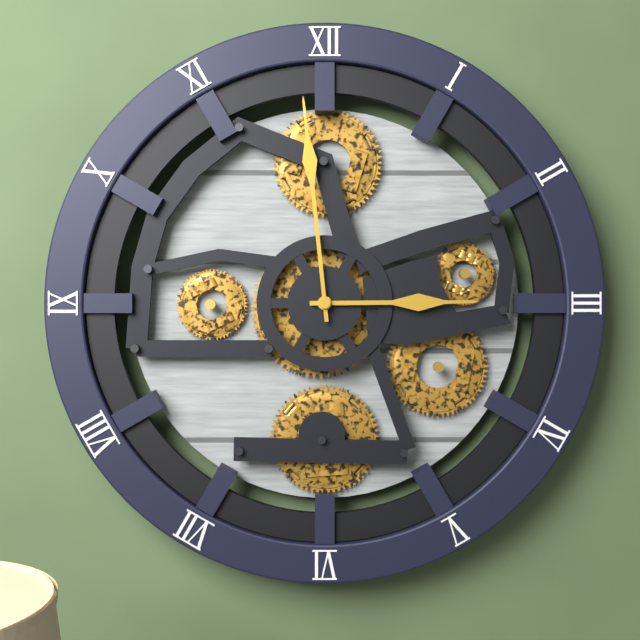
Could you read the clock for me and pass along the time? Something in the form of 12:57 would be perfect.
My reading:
2:59
